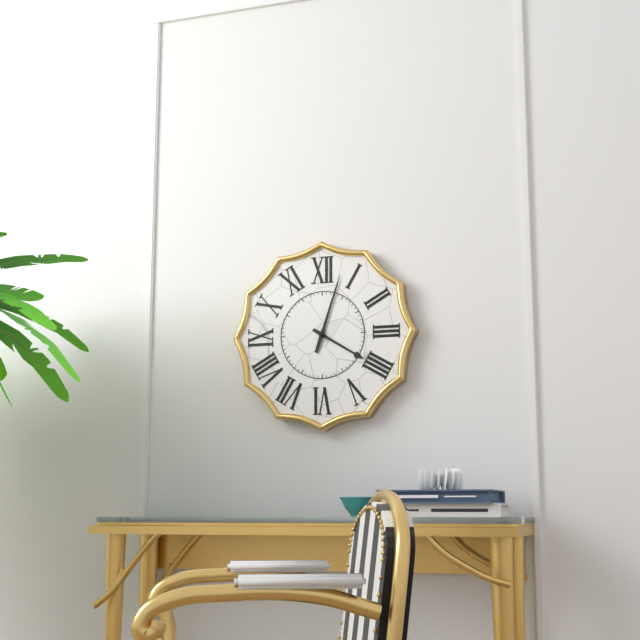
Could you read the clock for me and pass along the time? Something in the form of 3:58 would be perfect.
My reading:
4:03
